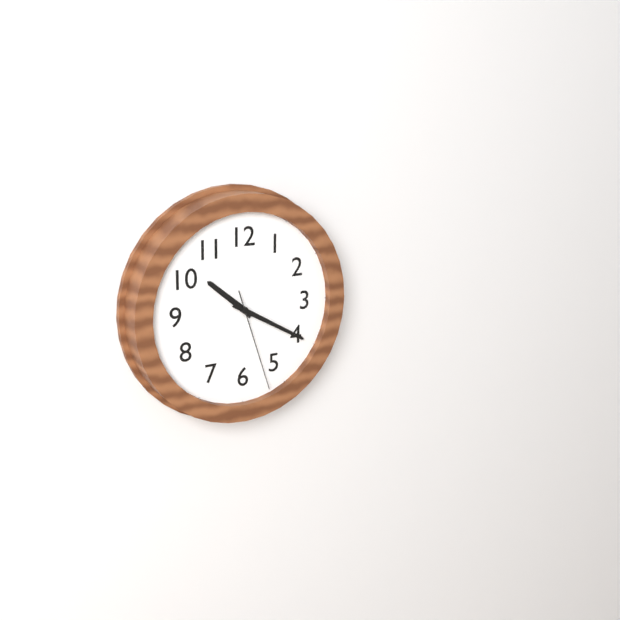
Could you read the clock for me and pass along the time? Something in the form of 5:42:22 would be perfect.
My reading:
10:20:27
